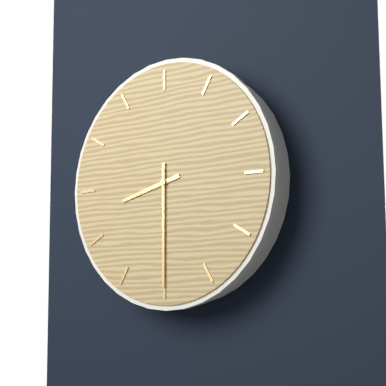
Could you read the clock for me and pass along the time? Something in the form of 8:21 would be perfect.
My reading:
8:30
